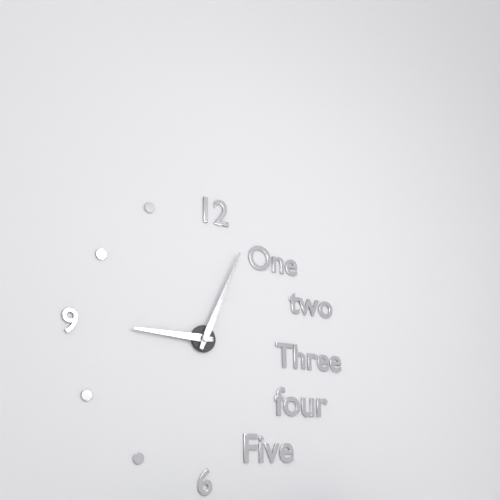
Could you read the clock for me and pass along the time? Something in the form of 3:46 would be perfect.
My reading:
9:04
